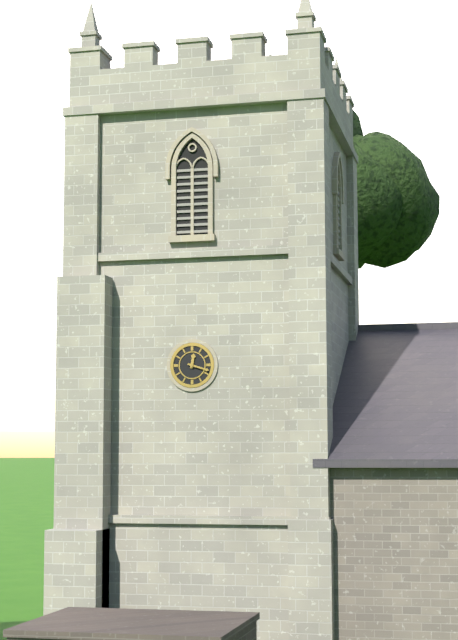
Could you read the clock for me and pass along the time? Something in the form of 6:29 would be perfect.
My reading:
12:18
